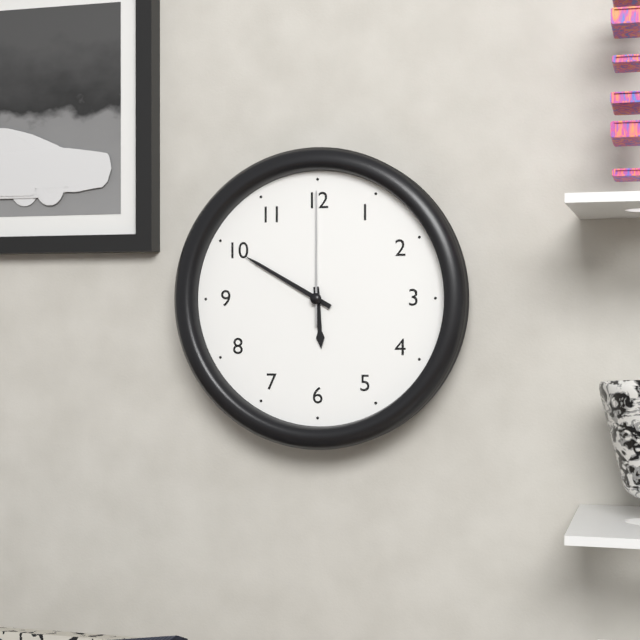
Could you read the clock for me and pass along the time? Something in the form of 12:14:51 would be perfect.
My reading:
5:50:00
